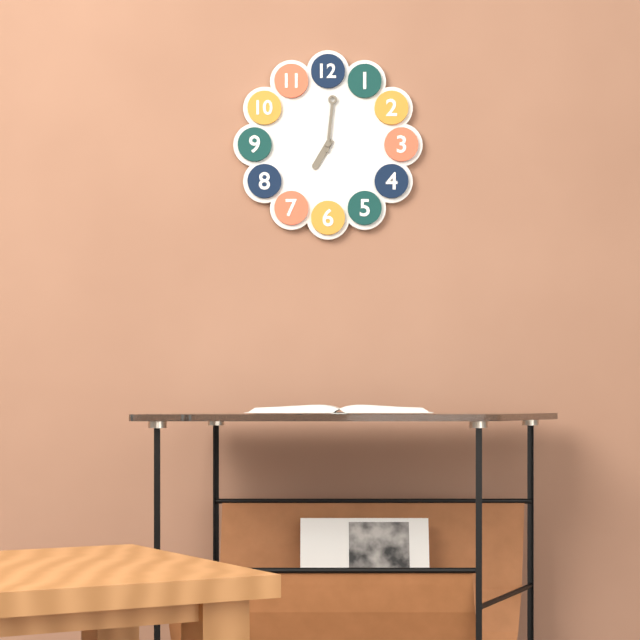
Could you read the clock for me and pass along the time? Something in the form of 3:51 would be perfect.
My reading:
7:01
